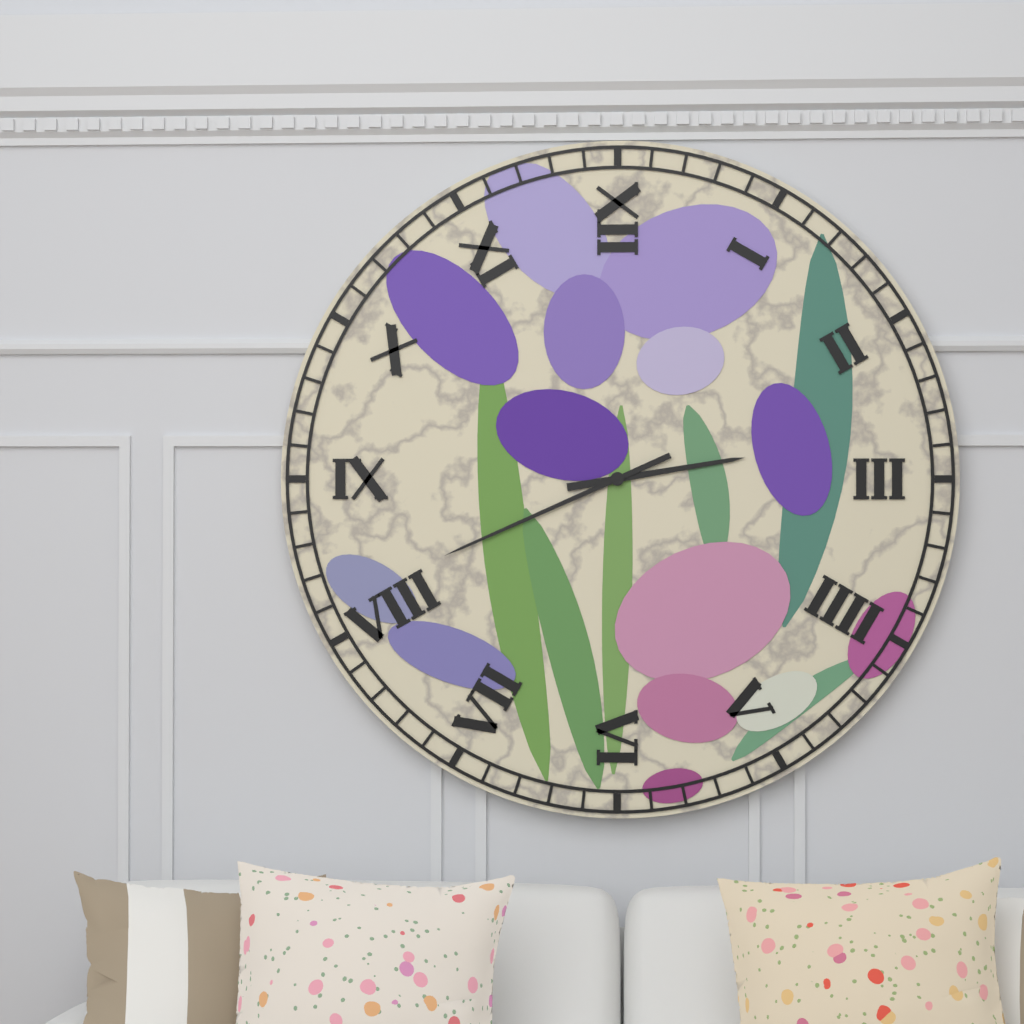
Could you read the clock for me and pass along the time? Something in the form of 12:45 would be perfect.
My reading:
2:41
